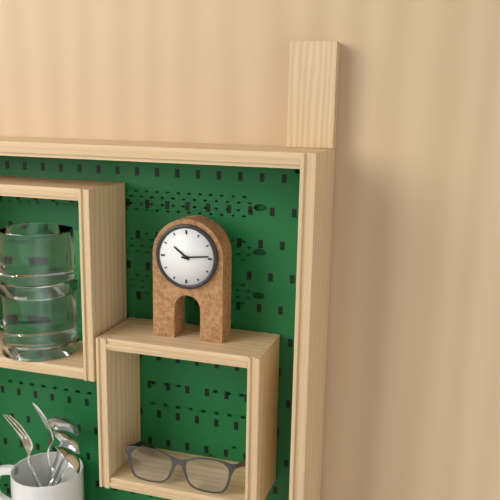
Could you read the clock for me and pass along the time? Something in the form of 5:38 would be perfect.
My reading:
10:14
